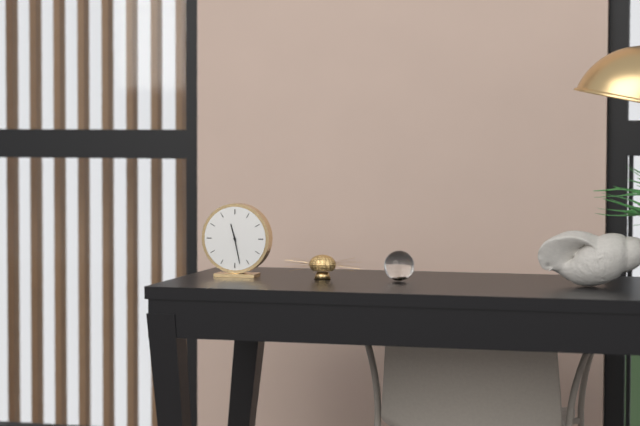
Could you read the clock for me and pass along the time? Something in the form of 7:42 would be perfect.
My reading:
11:28
